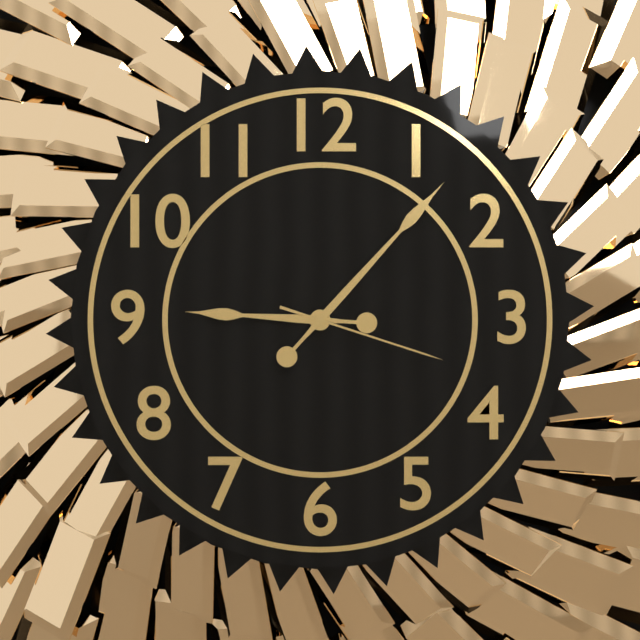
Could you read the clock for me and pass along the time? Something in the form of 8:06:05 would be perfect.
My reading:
9:07:18
